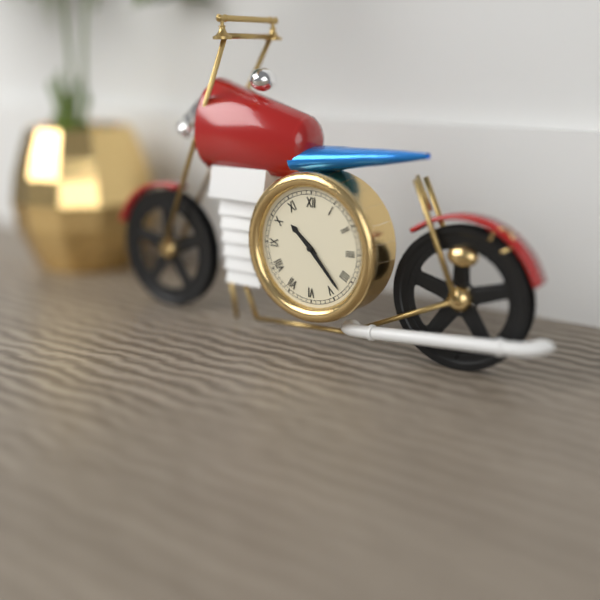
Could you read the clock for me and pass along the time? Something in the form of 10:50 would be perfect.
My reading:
10:23
